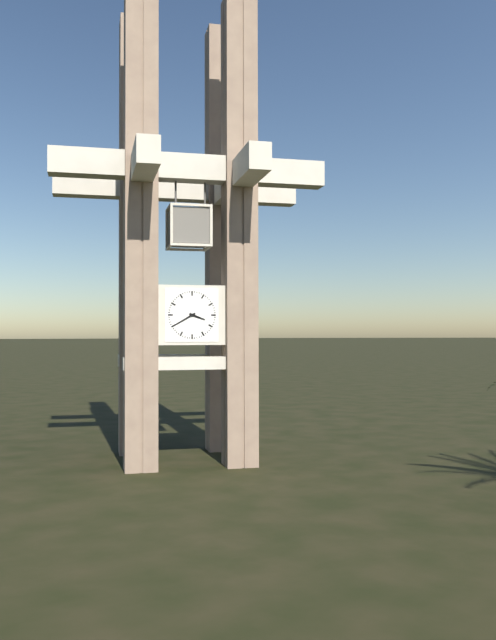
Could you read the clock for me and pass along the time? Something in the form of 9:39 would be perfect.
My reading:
3:40
